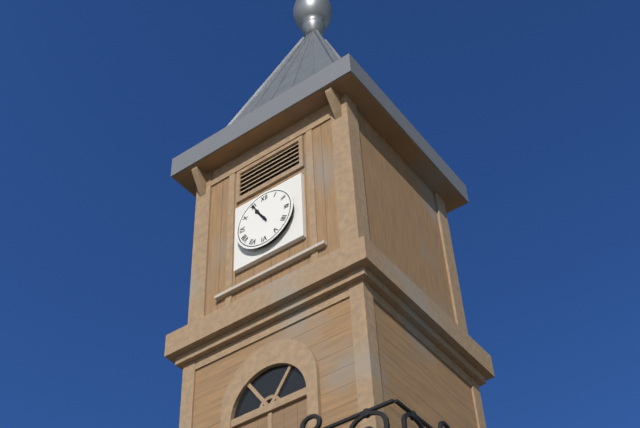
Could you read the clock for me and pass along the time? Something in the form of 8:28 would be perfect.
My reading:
10:55
